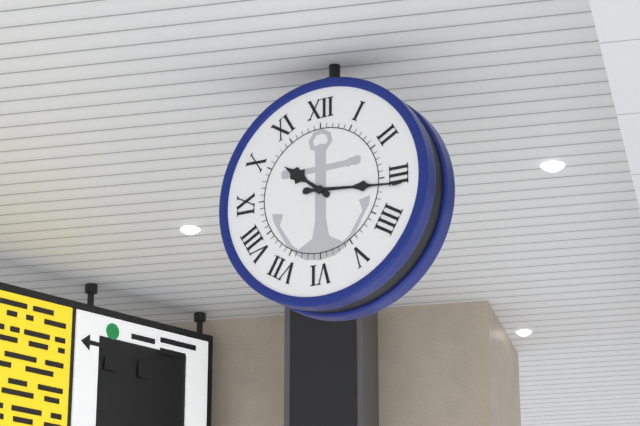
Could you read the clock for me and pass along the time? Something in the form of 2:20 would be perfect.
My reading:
10:16
